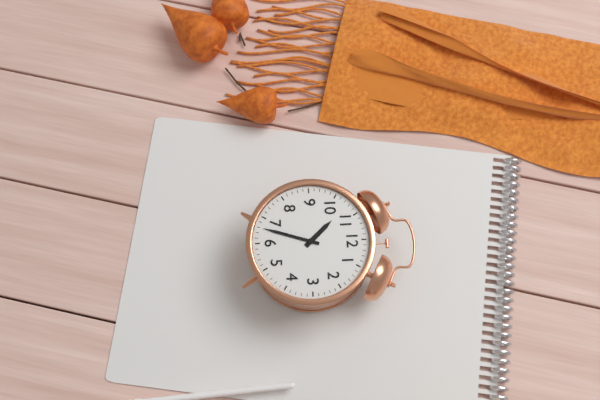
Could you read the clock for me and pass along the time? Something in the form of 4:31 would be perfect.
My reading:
10:33
